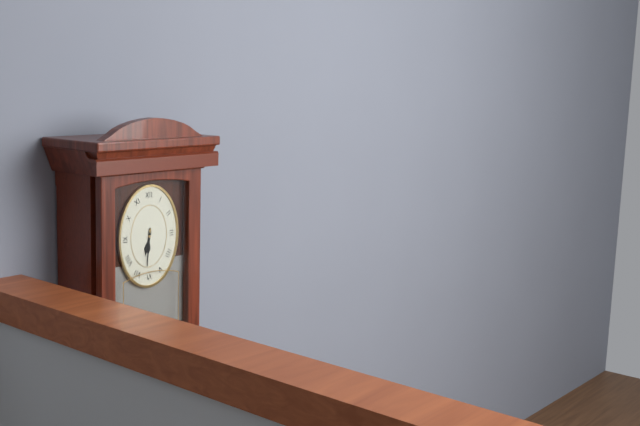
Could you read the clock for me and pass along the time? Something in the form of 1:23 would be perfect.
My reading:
6:31
